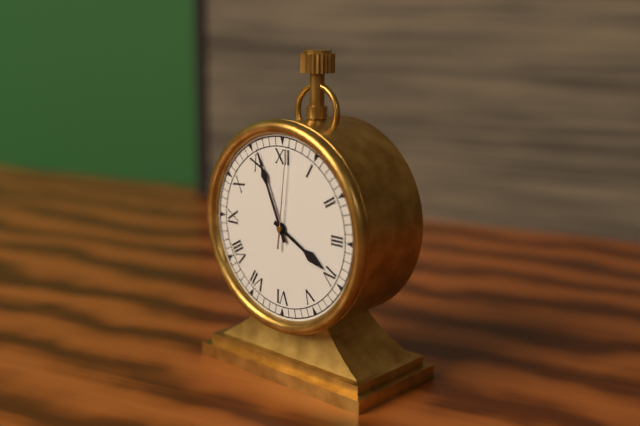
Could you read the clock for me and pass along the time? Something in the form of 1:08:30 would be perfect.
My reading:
3:56:01
